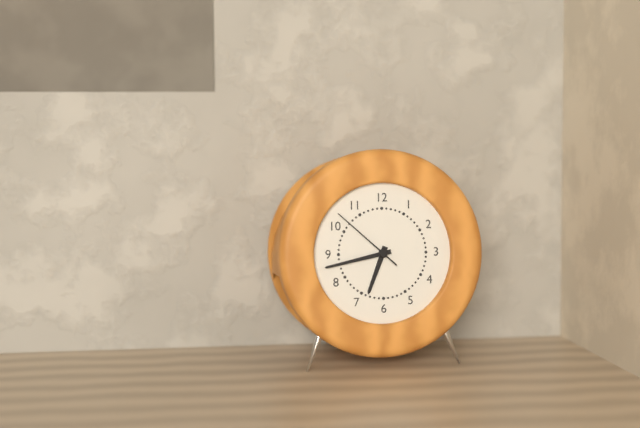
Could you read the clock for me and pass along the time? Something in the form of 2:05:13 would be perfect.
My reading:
6:43:52
